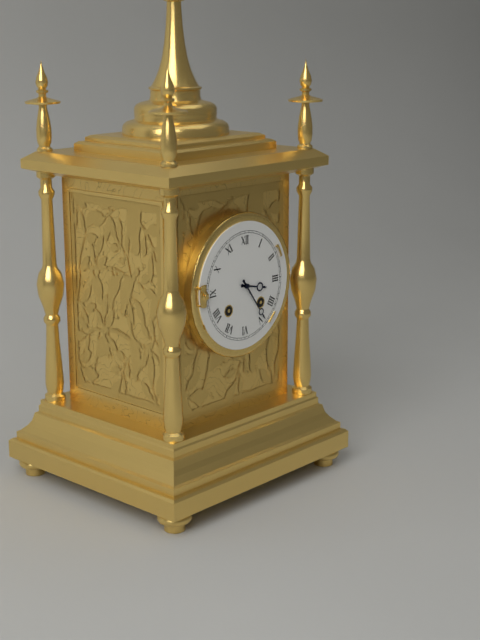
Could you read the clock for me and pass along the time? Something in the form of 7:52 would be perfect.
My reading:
3:24
